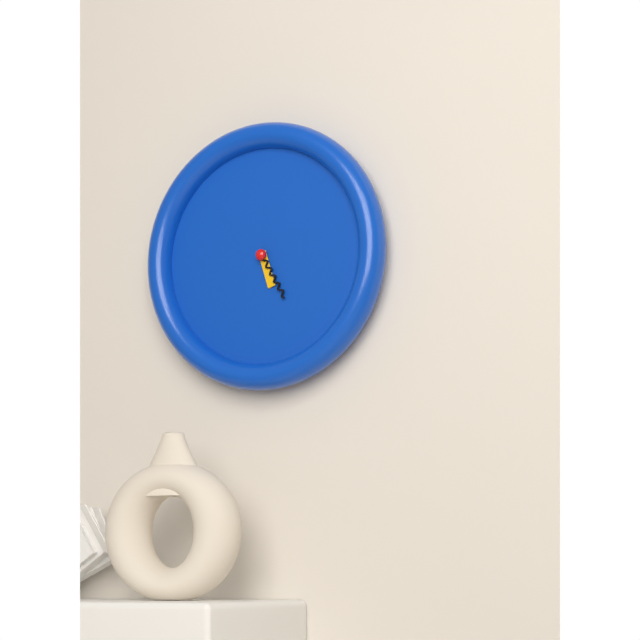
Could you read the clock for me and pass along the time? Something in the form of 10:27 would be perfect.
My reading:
5:25
